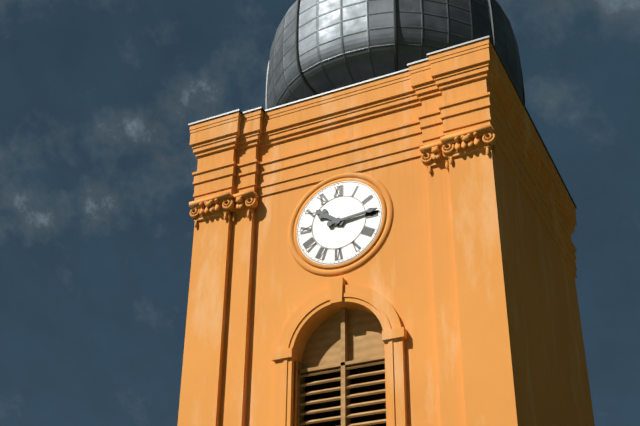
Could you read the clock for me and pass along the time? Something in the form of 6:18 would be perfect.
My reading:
10:14
